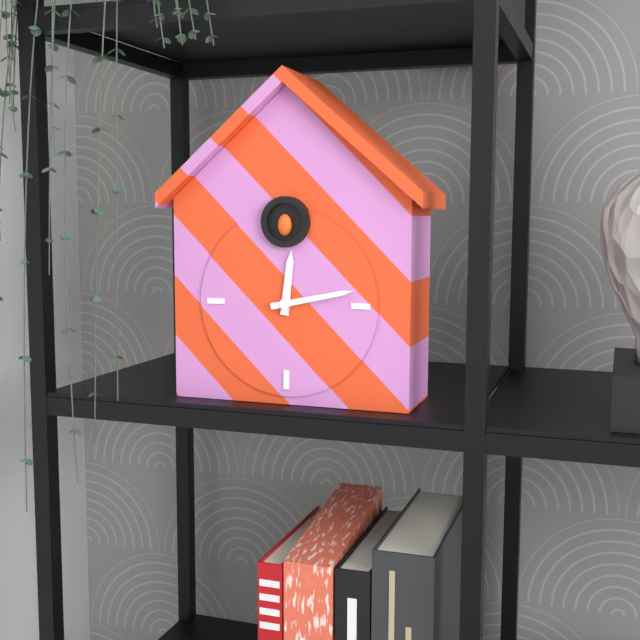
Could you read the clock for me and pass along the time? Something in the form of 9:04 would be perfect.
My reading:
12:13
